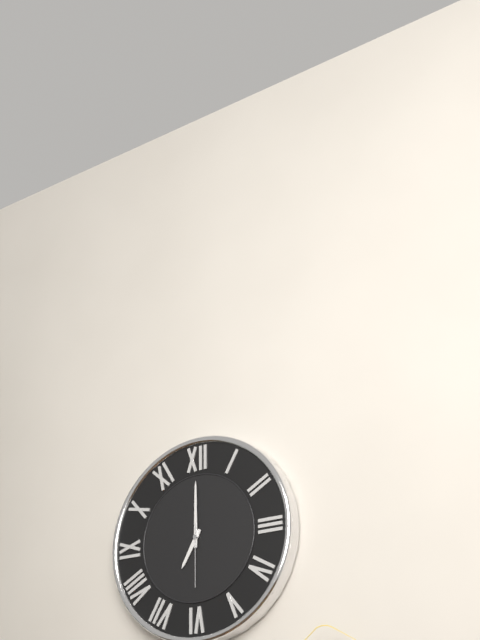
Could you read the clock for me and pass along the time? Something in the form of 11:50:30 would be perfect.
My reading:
7:00:30
